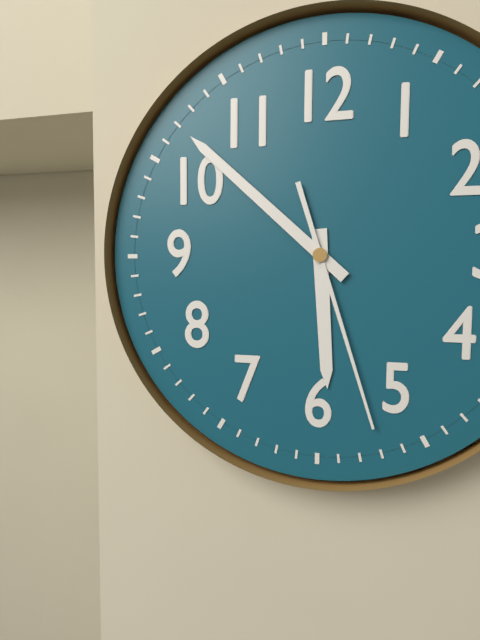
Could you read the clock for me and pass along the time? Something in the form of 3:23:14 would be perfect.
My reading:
5:52:27
